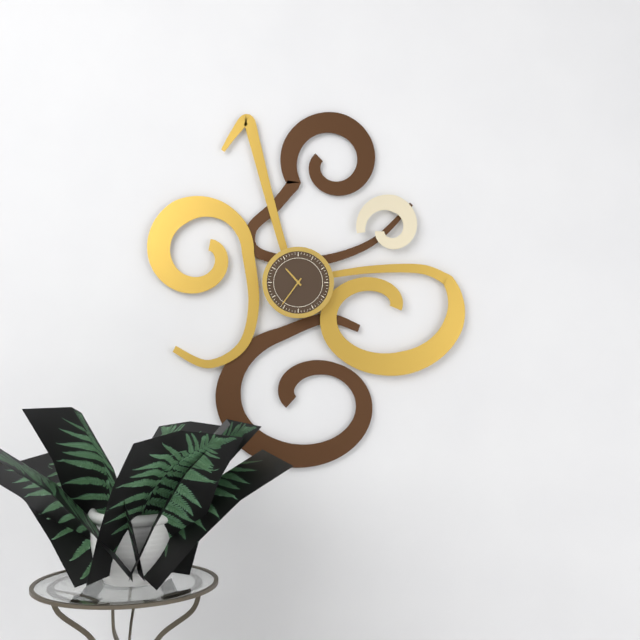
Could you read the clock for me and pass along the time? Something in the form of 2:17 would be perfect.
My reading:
10:36
